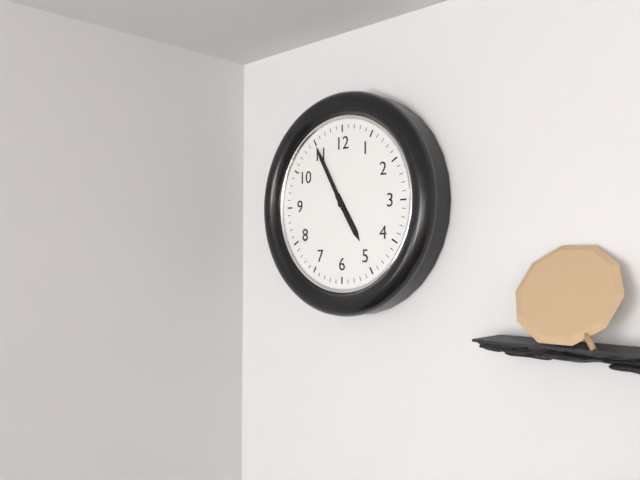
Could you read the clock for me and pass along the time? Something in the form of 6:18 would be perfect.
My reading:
4:55
